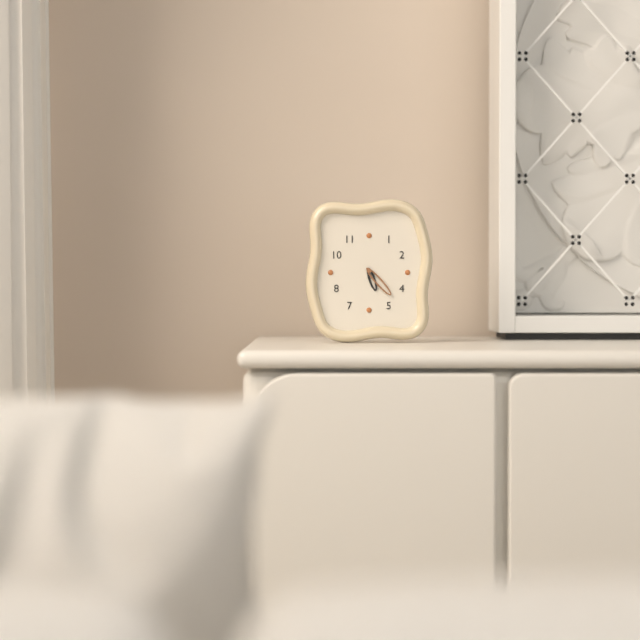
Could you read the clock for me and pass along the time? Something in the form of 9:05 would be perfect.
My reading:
5:23
